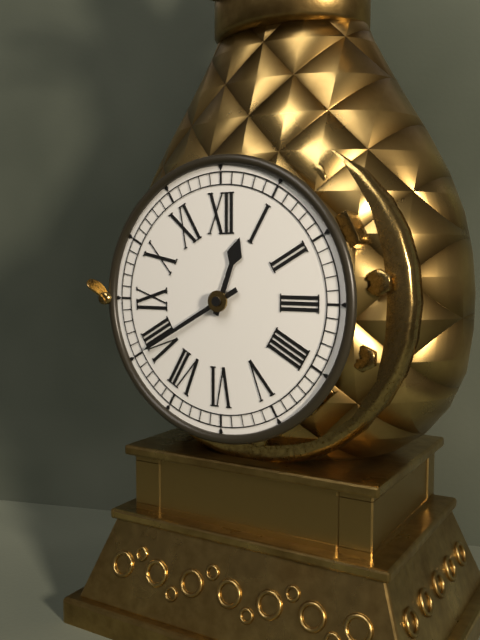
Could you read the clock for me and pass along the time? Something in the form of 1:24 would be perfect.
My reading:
12:40
